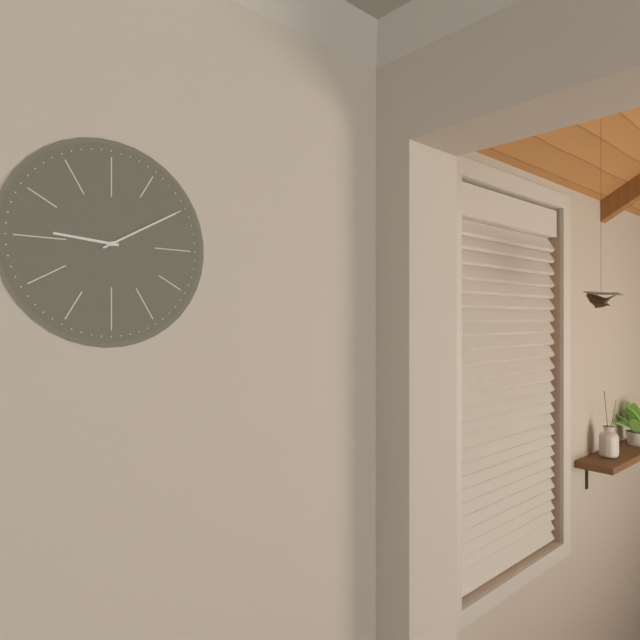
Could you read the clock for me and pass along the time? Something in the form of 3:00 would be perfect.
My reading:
9:10
